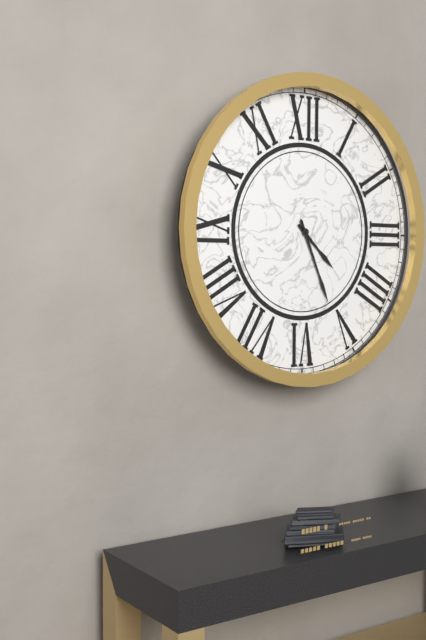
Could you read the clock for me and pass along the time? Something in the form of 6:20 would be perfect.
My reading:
4:26
